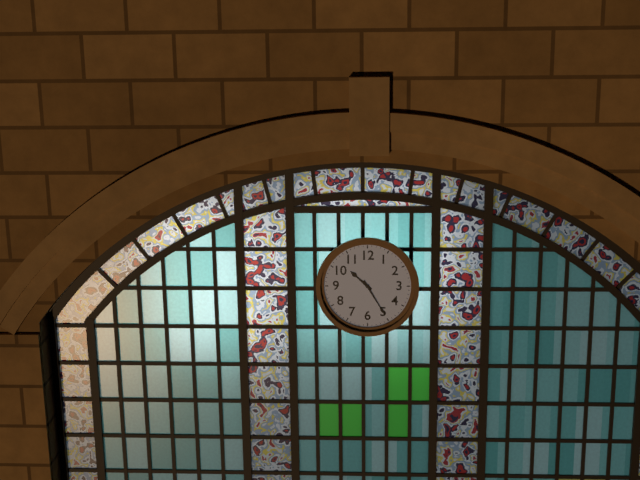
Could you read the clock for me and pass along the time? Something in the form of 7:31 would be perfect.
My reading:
10:25
